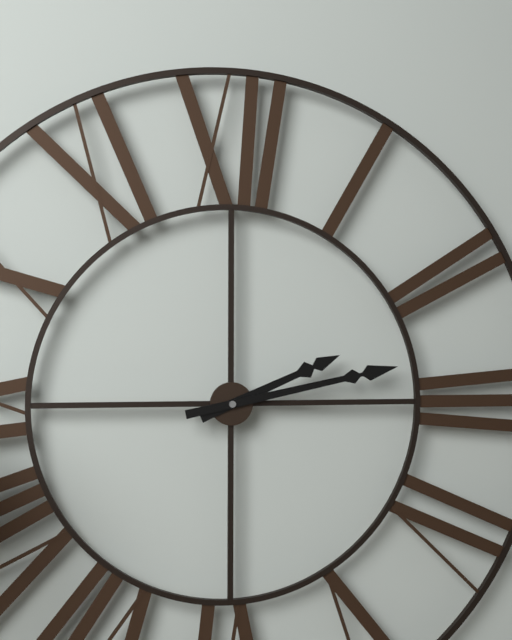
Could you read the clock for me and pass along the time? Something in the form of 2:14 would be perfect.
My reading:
2:13
